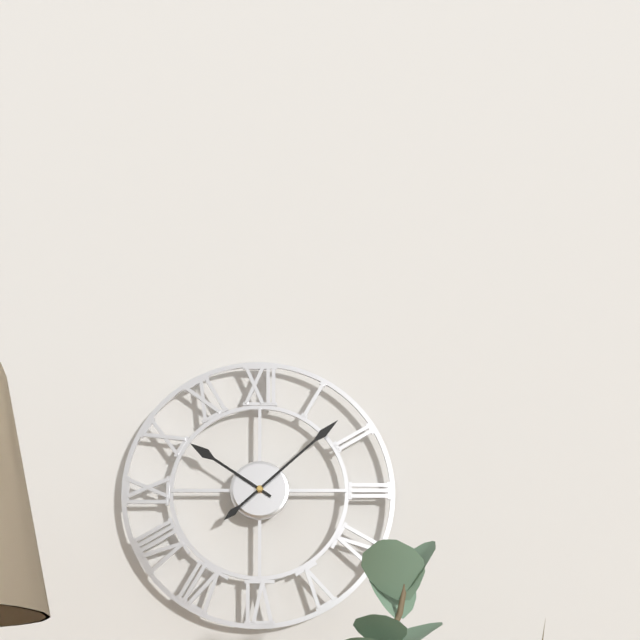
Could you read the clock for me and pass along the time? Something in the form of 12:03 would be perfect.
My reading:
10:08
